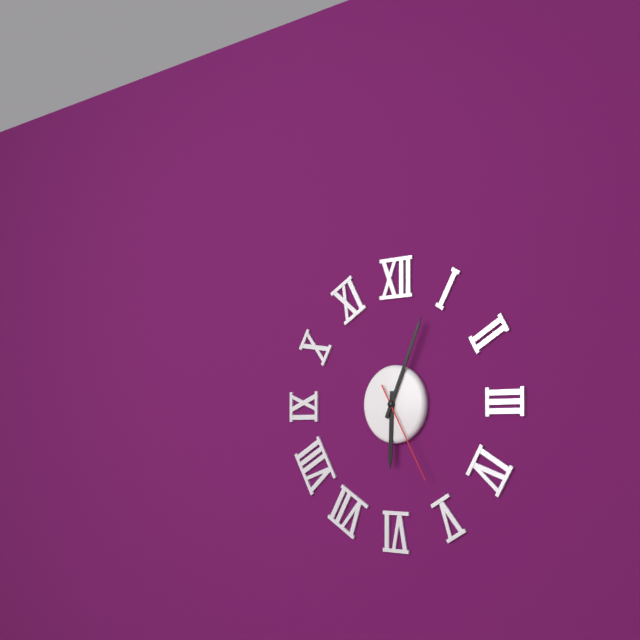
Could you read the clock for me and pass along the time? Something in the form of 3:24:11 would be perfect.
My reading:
6:04:25
